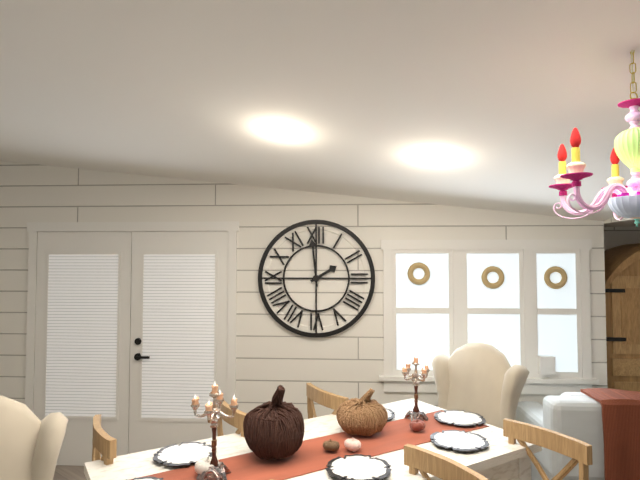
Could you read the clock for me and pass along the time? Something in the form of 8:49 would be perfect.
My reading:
1:59
